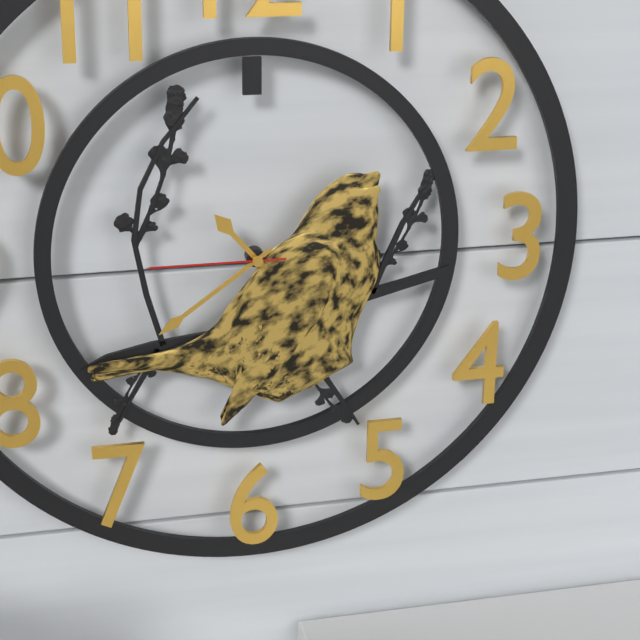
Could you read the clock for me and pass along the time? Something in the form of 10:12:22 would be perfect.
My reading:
10:39:45
